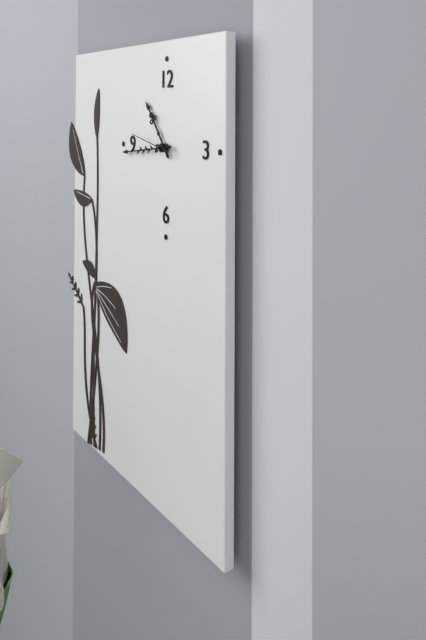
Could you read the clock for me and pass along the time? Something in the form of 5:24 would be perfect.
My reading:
10:44
